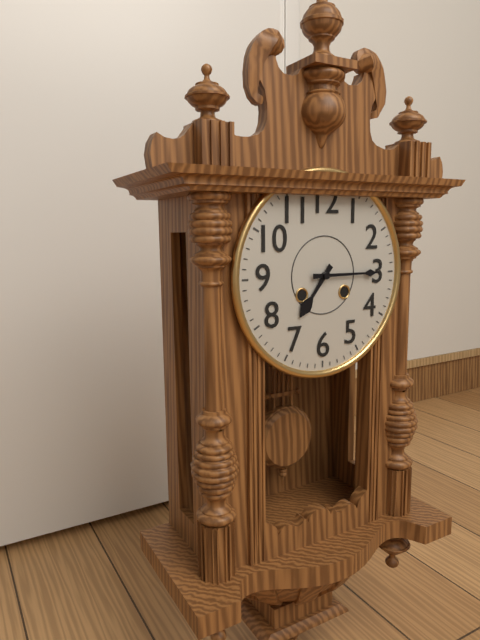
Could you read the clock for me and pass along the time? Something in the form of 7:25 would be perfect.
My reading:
7:15
